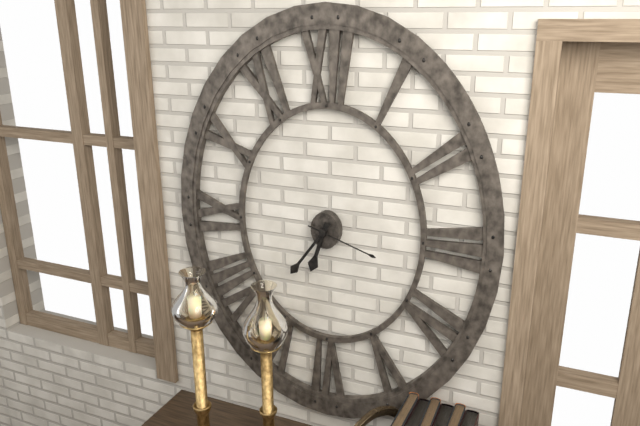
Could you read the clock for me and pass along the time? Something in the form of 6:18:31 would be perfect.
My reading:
6:36:18
